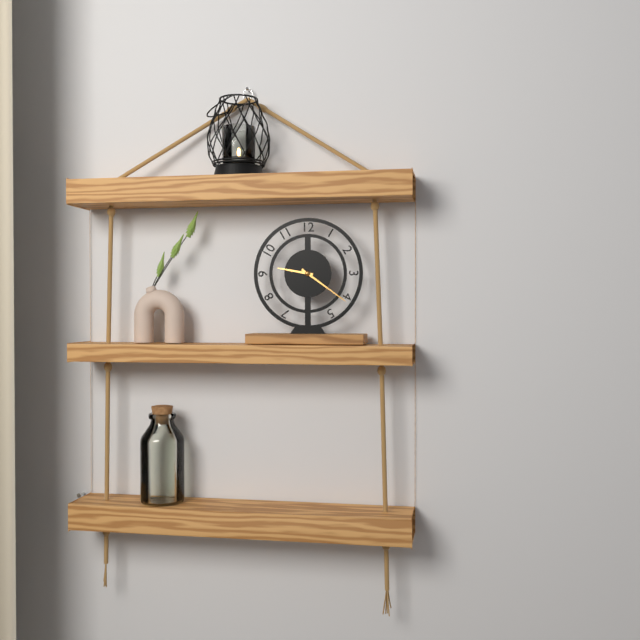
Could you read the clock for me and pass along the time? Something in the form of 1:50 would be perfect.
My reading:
9:21
